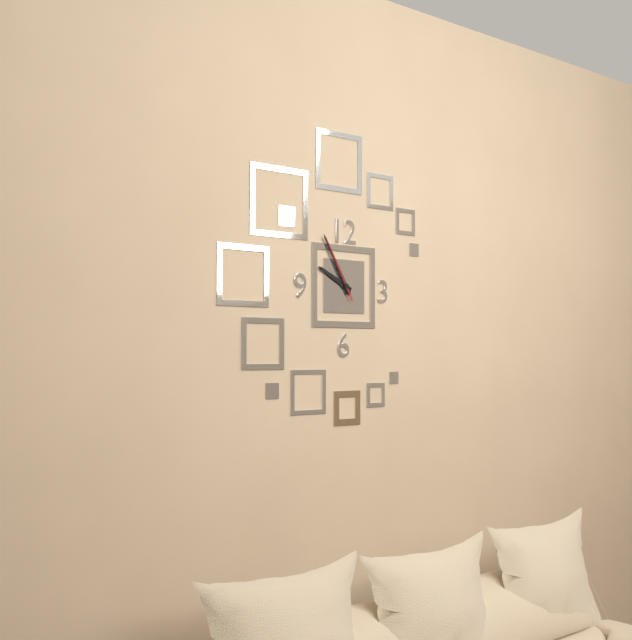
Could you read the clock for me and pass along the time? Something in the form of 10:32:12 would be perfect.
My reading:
9:55:55
